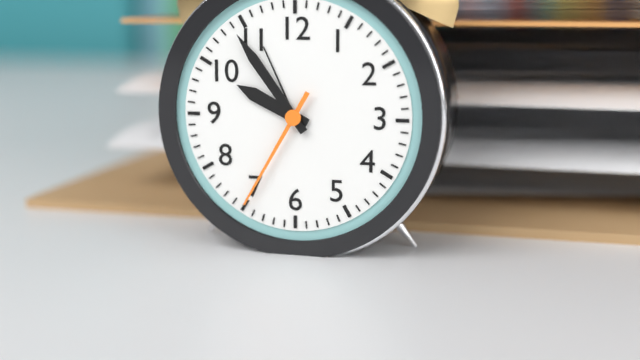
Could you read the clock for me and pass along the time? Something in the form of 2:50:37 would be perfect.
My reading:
9:54:35
